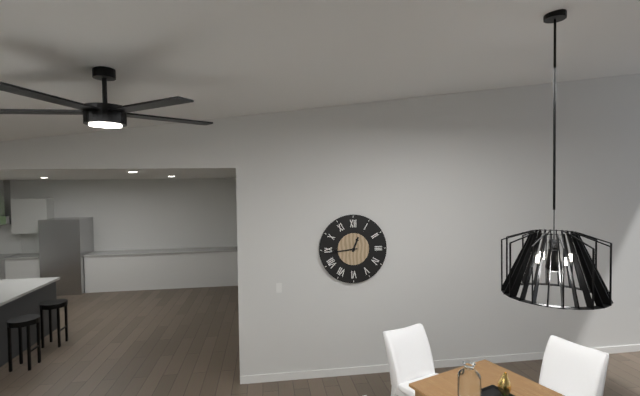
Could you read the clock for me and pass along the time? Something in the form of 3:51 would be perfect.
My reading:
12:44
